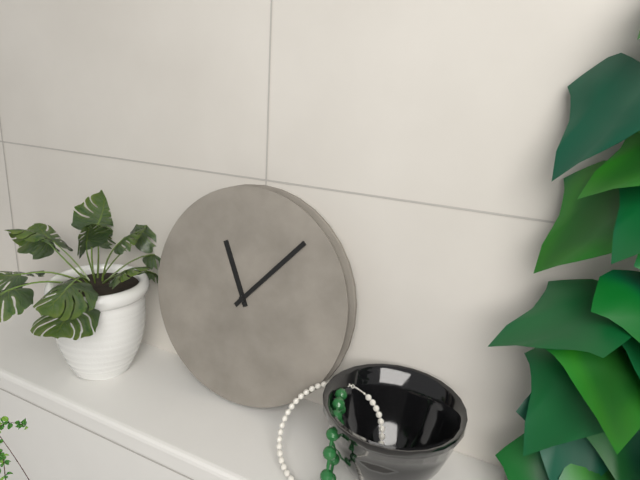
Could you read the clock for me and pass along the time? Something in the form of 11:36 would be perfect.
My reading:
11:07
